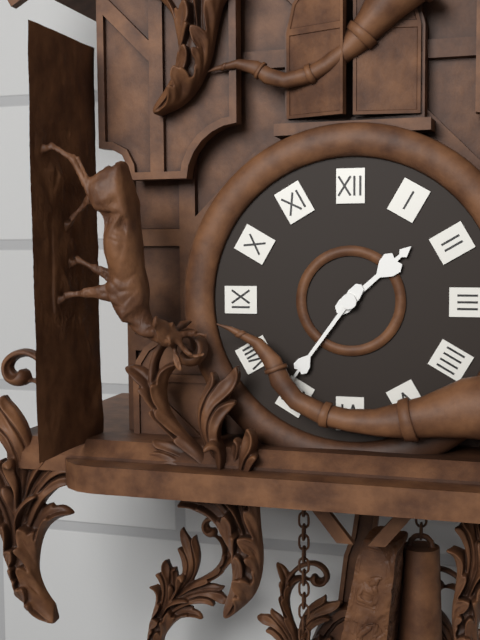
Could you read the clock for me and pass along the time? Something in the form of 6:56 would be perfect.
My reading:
1:36
